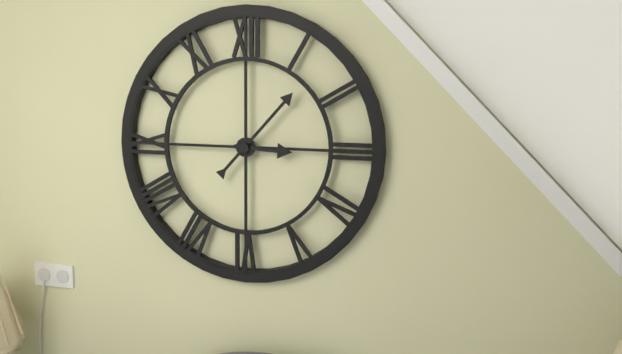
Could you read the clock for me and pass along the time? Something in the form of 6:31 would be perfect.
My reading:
3:07
